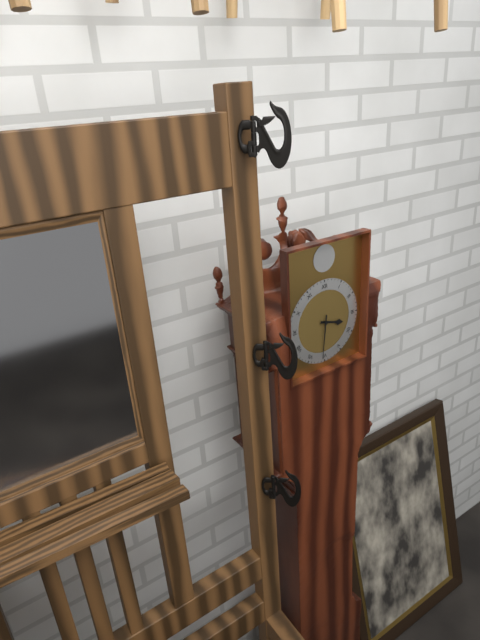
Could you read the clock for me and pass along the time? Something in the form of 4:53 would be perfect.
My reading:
3:31
